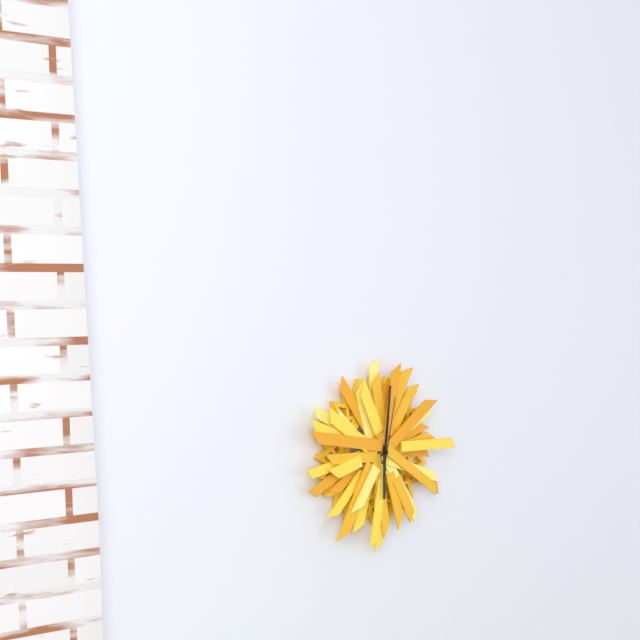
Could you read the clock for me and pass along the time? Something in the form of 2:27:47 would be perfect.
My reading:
6:01:02
